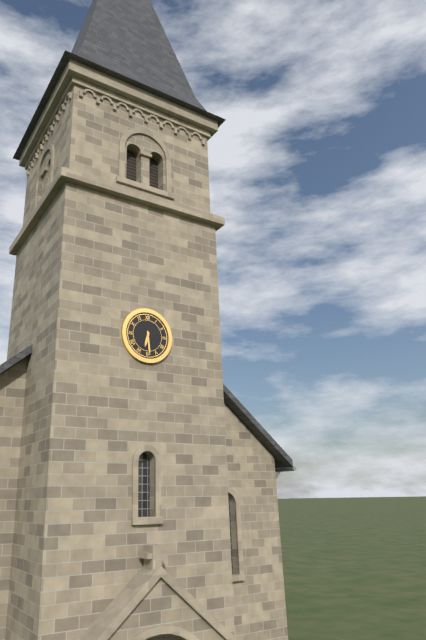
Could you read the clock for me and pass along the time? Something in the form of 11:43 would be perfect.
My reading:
6:29
